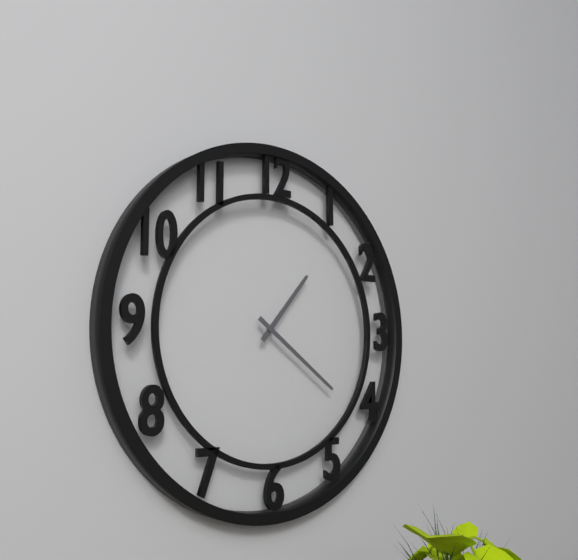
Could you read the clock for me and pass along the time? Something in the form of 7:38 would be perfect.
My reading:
1:21
